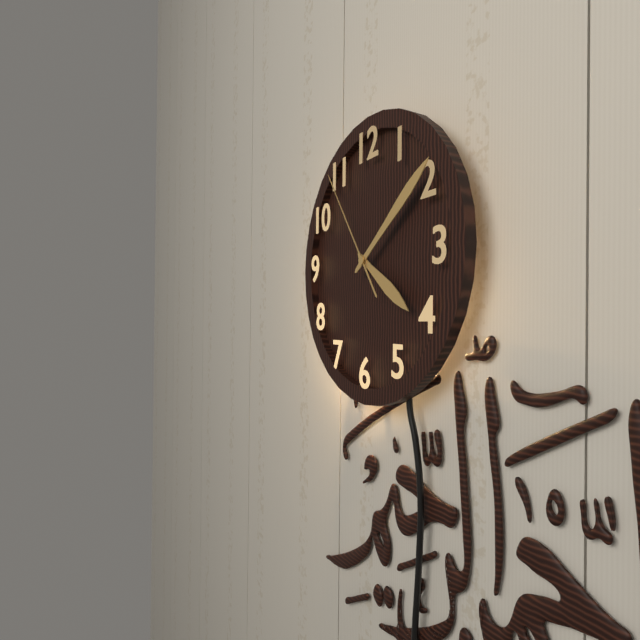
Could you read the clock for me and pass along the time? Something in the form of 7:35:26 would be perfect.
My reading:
4:09:54
